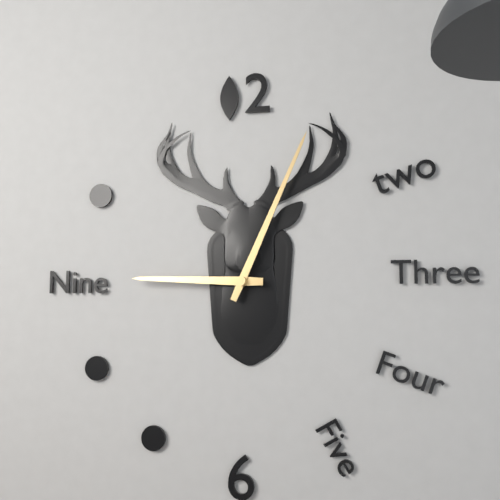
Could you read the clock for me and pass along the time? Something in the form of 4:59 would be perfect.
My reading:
9:04
